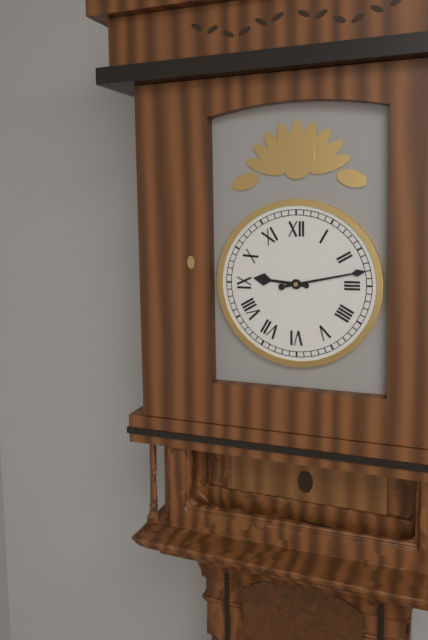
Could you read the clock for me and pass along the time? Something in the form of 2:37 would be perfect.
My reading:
9:13
